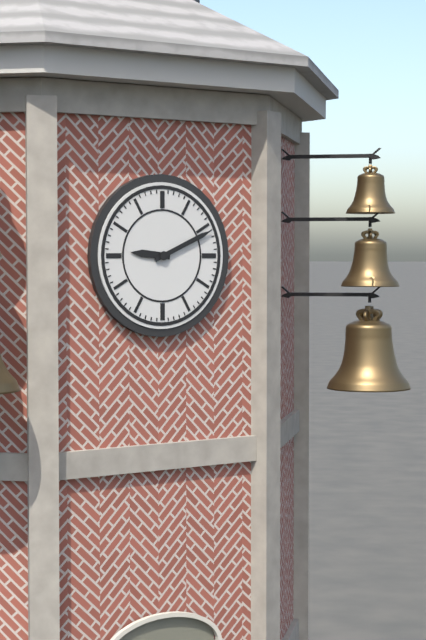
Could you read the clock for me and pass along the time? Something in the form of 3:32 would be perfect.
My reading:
9:11
